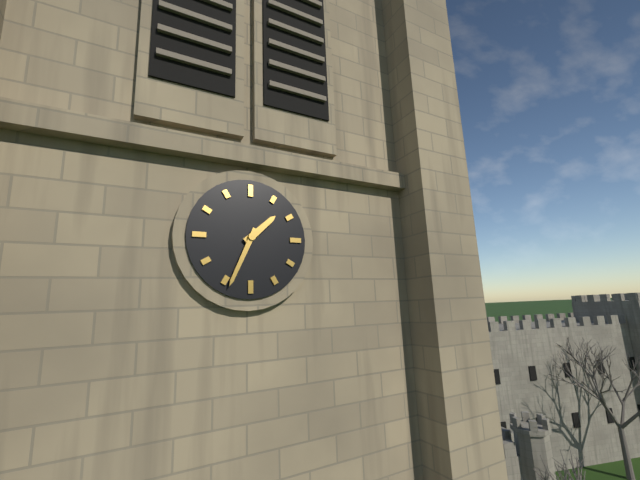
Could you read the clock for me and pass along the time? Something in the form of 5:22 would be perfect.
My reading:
1:34
